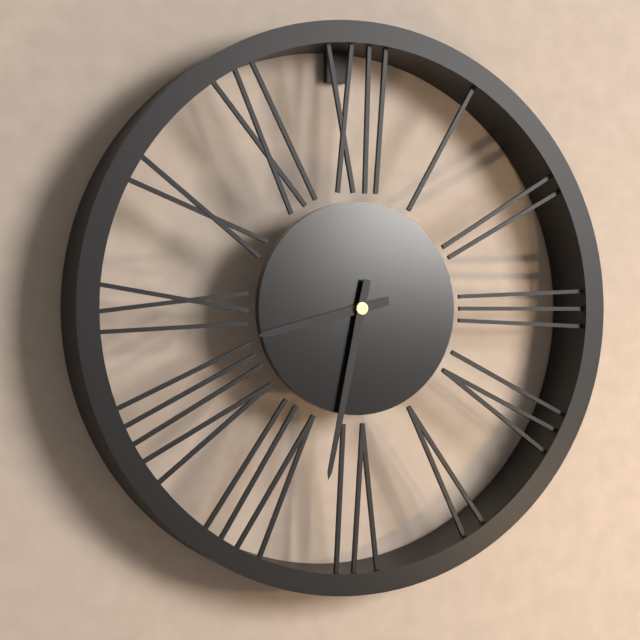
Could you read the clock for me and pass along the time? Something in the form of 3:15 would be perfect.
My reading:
8:32
